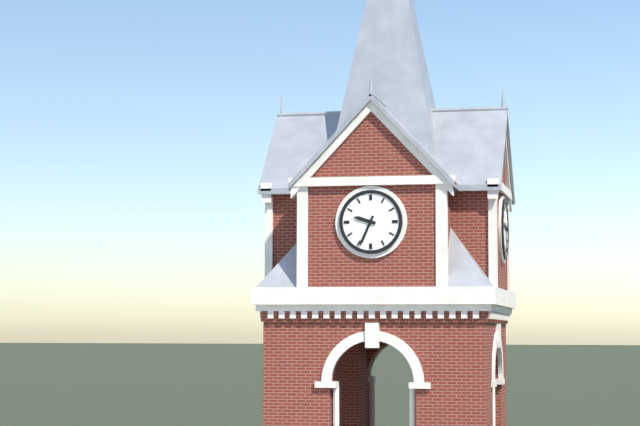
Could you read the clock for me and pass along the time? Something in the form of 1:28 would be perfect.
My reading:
9:34
